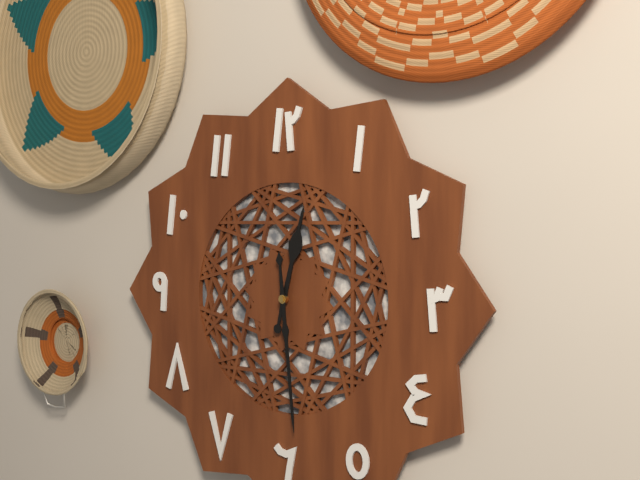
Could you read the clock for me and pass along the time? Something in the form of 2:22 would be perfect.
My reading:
12:29
